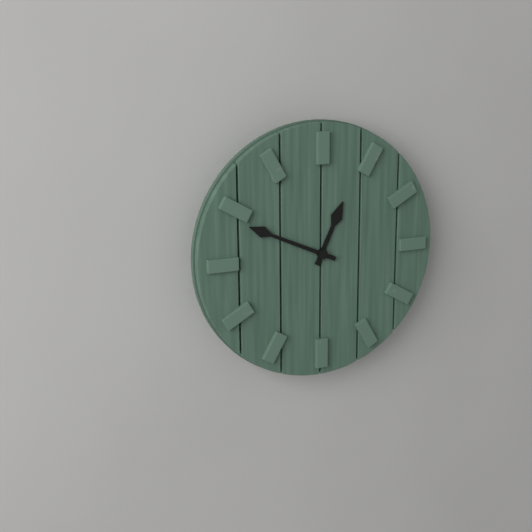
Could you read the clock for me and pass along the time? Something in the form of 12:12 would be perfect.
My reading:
12:49
